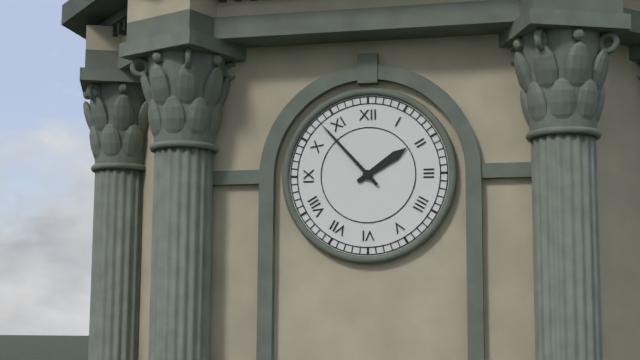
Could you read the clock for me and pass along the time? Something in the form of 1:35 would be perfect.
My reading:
1:53
